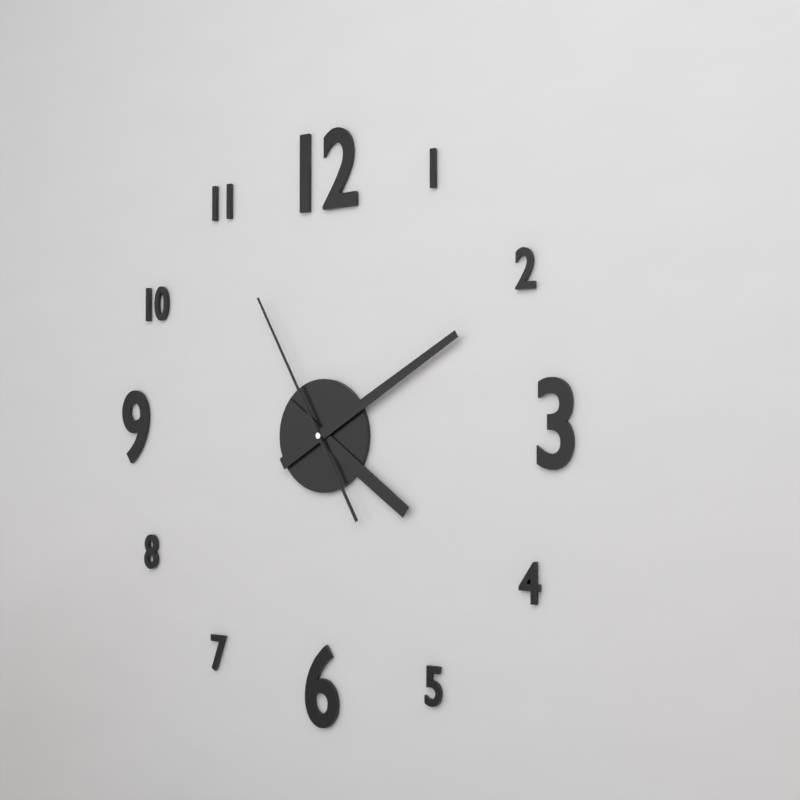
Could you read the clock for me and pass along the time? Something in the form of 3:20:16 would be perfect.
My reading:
4:10:55
